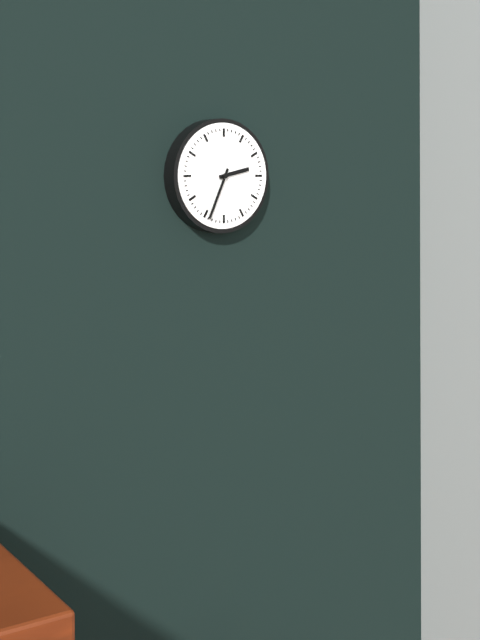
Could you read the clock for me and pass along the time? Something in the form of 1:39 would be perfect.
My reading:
2:34
